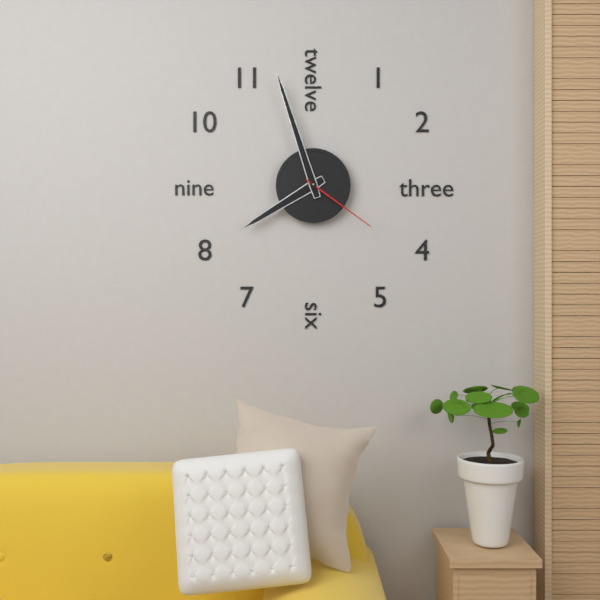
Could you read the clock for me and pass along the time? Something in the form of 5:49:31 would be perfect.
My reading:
7:57:21
